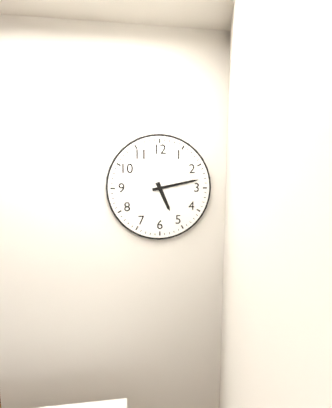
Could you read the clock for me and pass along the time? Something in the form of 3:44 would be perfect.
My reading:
5:13
